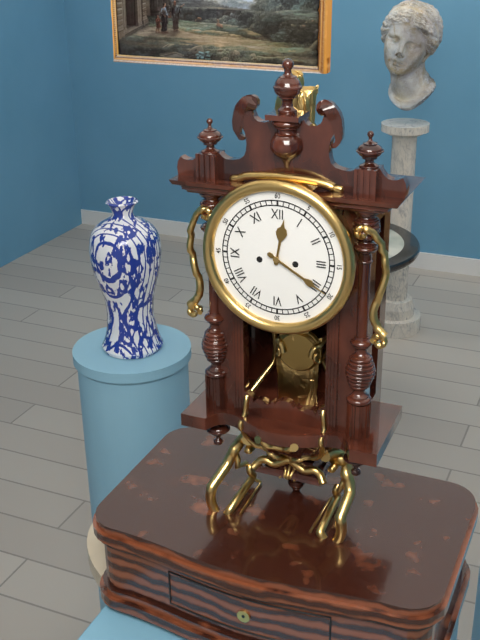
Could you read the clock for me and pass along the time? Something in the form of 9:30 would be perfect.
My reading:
12:20
